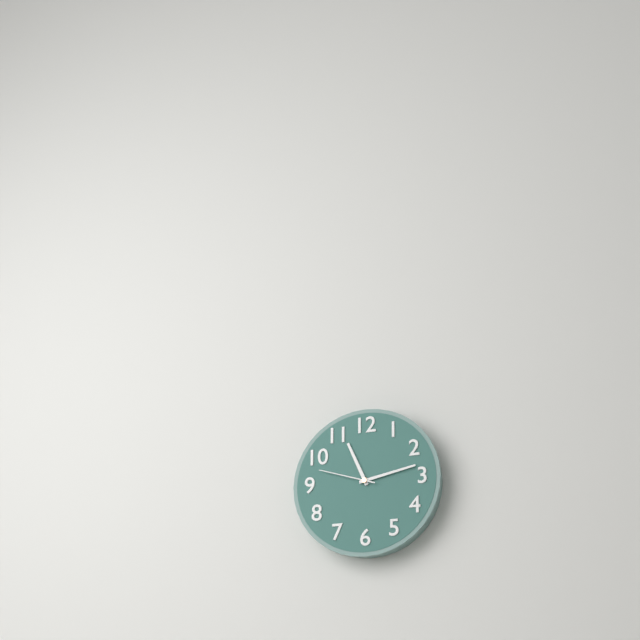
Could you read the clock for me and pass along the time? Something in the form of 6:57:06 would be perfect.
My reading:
11:13:48
